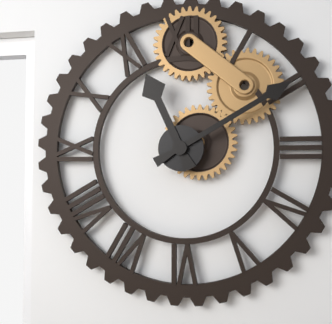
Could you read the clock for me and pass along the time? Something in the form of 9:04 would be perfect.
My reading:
11:10
